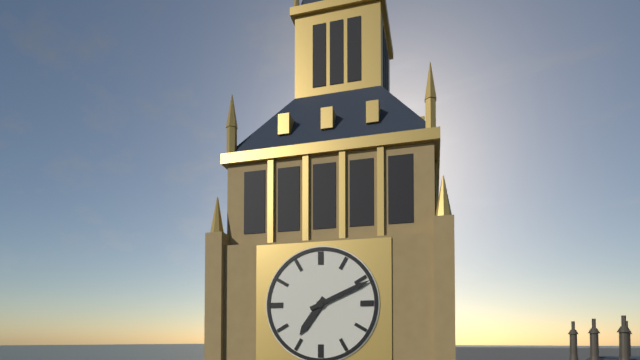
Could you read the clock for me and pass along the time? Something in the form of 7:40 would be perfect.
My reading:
7:11
